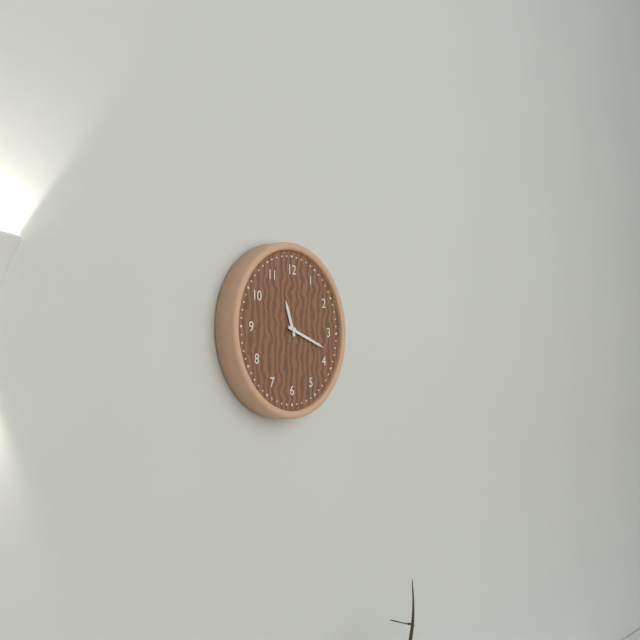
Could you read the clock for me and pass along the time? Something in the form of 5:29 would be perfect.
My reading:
11:18
